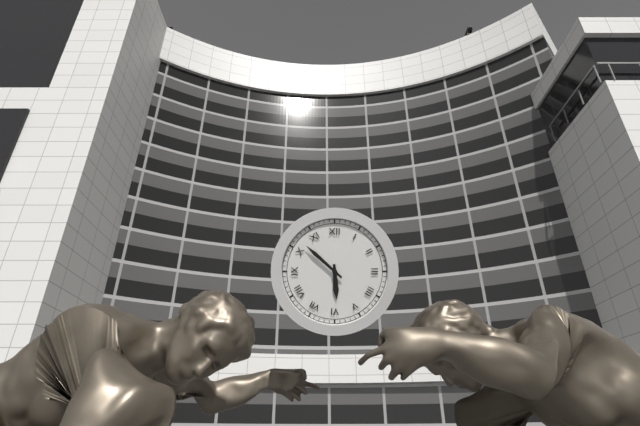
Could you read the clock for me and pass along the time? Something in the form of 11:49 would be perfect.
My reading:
5:52
